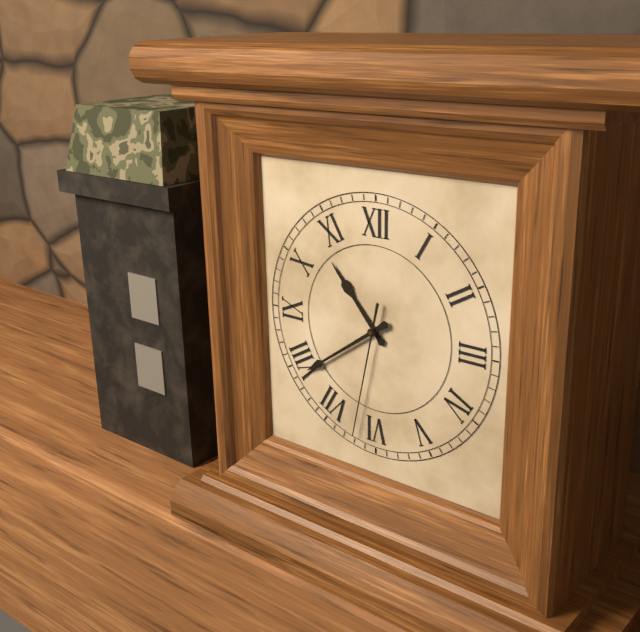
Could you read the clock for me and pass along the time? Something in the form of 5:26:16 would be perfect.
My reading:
10:39:32
